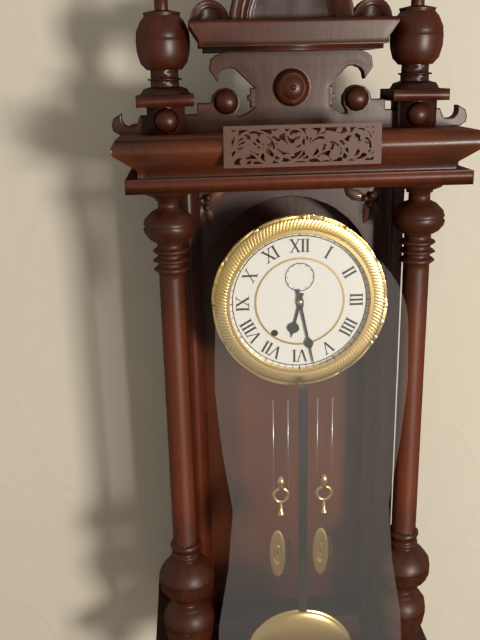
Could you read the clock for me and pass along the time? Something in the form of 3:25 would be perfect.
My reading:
6:28
